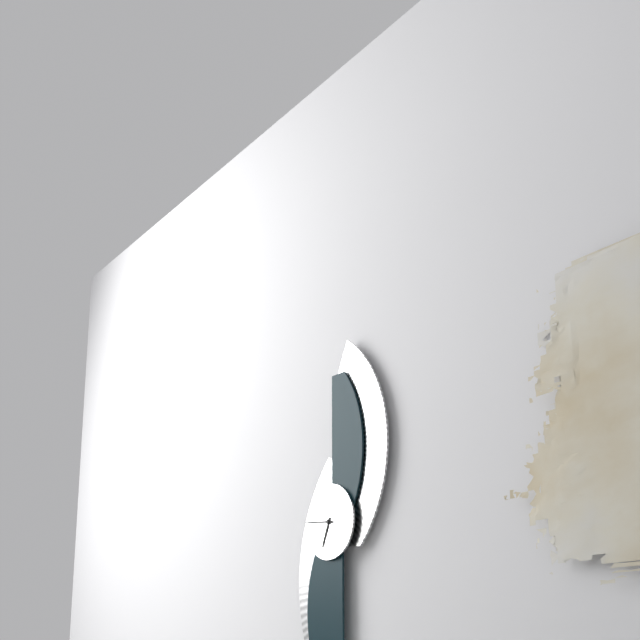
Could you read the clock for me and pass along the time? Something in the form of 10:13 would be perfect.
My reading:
6:46
